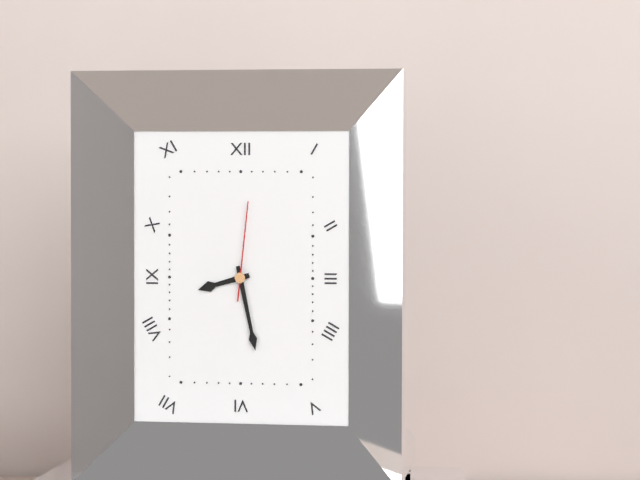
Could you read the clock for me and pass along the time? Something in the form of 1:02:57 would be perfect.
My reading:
8:28:01
